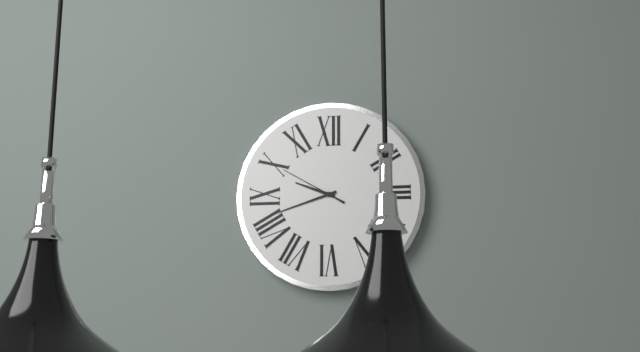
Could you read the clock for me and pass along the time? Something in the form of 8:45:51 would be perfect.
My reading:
9:42:50
